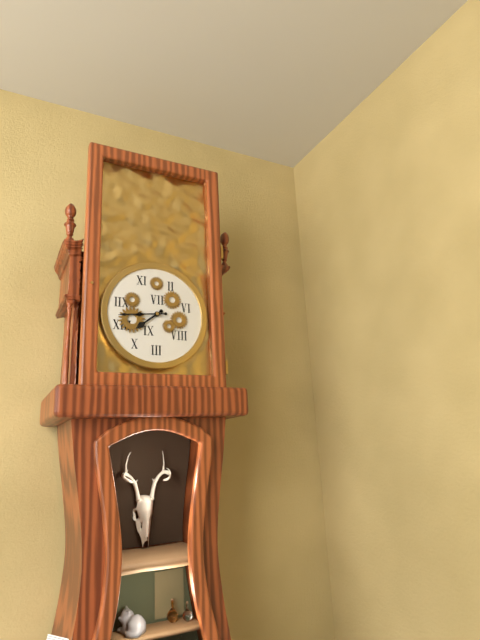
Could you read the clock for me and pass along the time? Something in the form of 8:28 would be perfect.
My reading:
7:44
